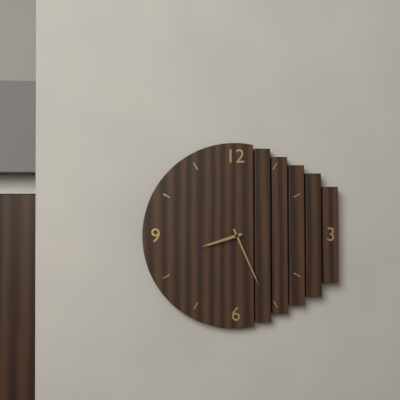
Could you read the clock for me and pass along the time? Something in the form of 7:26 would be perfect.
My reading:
8:26
